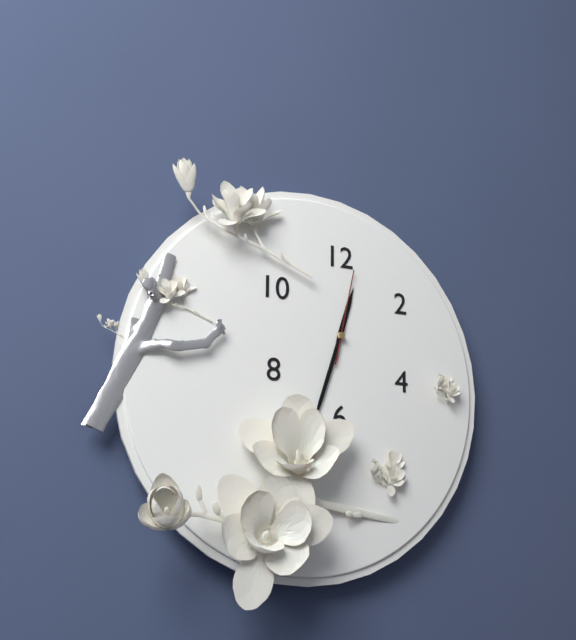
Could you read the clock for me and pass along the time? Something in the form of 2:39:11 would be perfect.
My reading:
12:33:02
